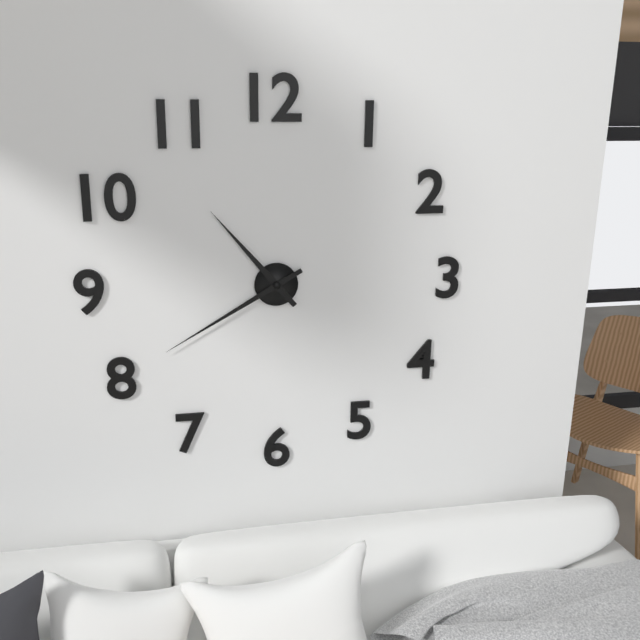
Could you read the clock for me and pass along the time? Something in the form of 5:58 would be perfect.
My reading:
10:40
